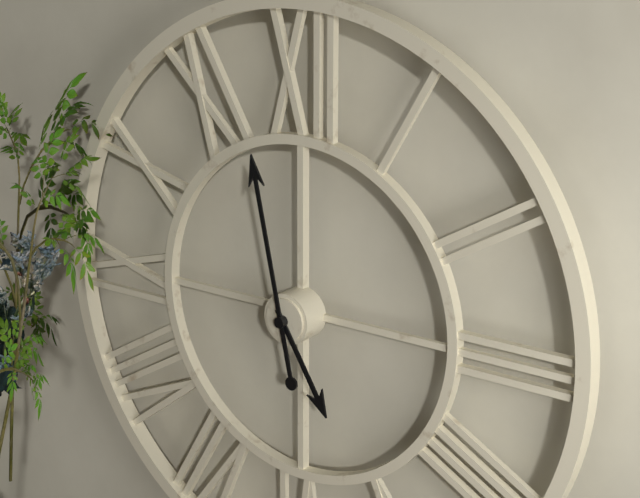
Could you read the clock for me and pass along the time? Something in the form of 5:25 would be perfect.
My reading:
4:58
